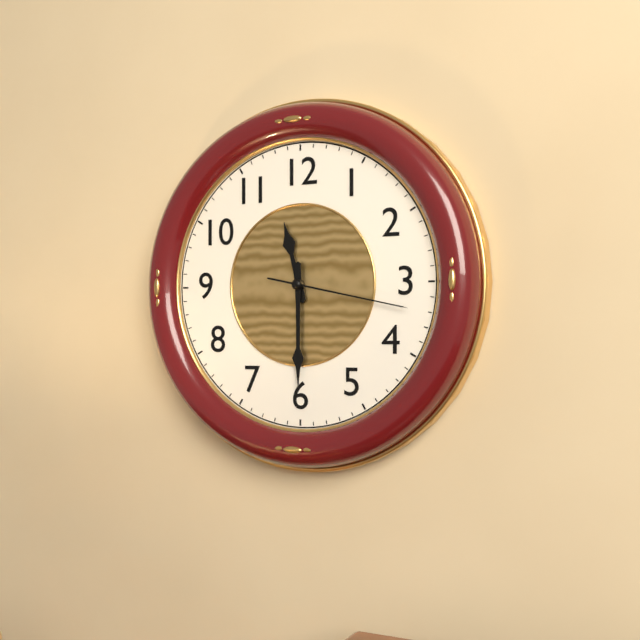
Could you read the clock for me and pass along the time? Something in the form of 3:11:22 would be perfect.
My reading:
11:30:17
